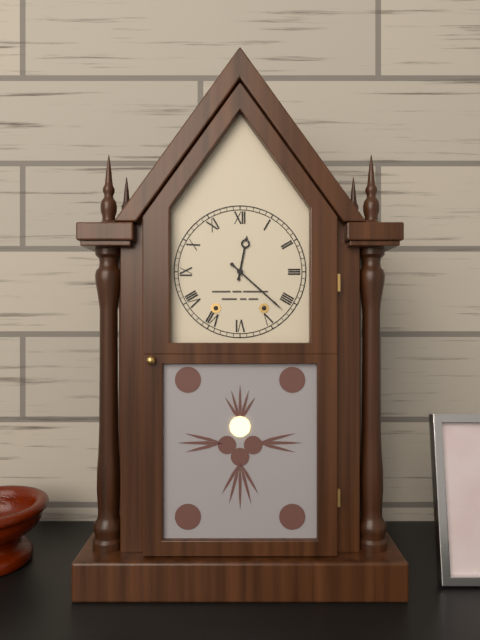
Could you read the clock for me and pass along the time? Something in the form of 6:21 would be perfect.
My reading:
12:22
